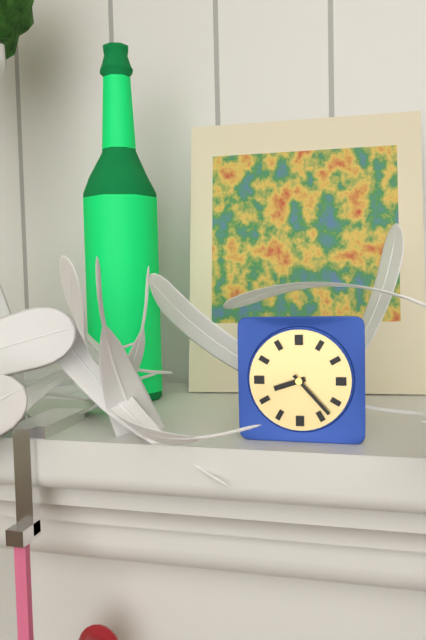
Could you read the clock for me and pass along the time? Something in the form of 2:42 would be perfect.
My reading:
8:23
